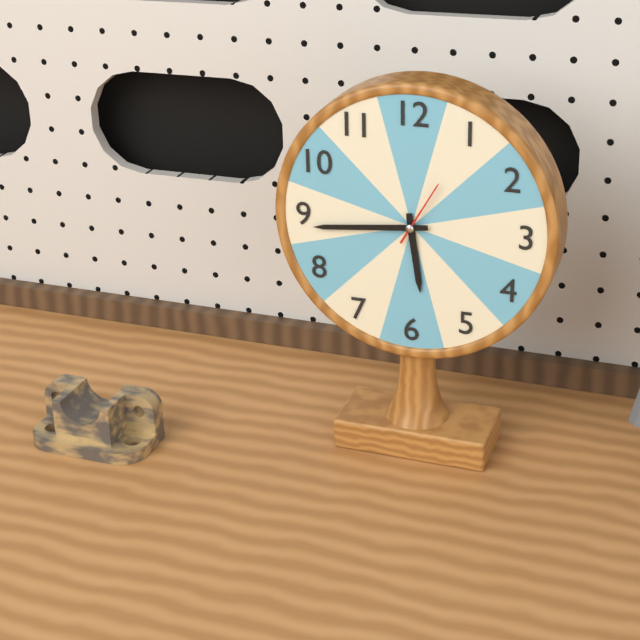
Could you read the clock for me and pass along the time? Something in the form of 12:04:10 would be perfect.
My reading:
5:44:05
